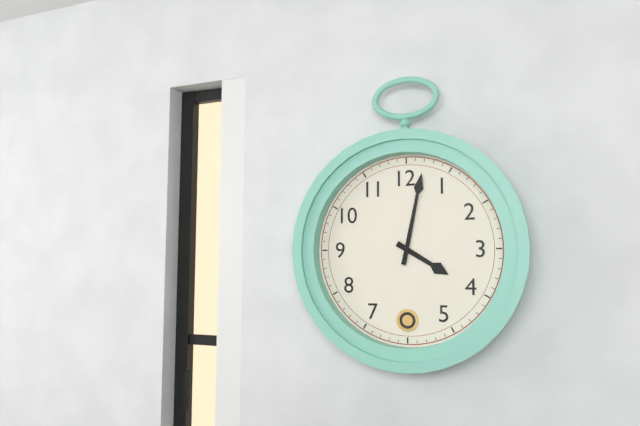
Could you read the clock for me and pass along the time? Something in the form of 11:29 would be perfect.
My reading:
4:02
